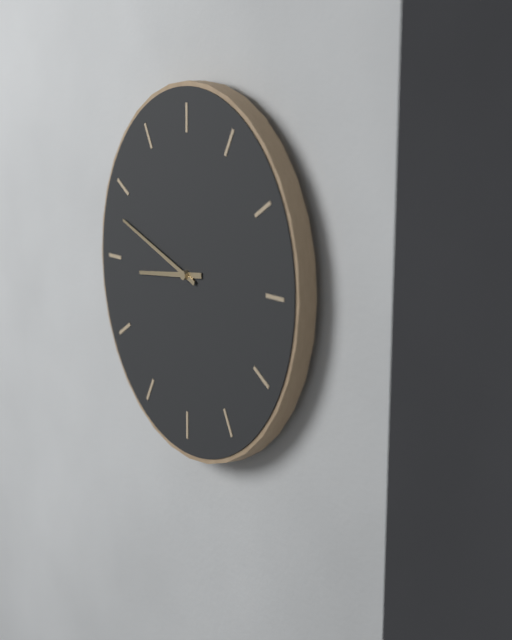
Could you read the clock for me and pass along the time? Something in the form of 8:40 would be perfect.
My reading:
8:48
